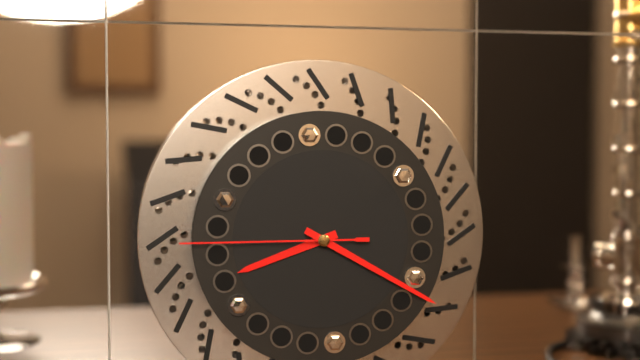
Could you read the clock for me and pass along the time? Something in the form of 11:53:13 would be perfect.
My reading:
8:20:45
